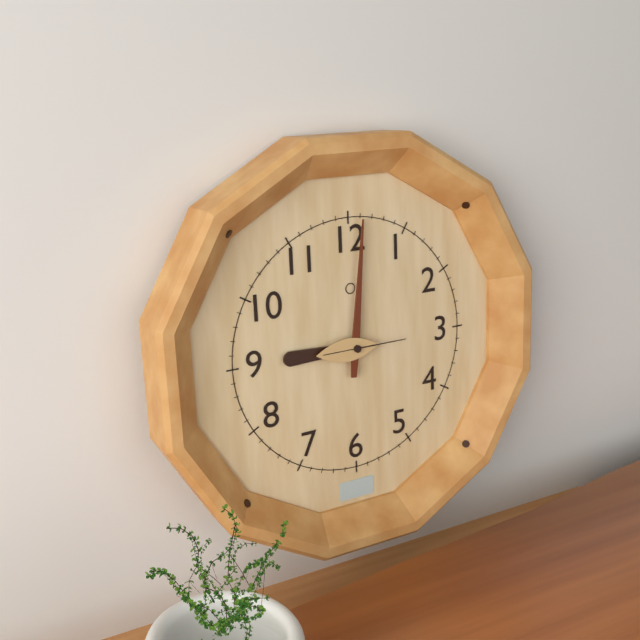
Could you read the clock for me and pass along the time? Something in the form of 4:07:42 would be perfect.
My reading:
9:01:15
